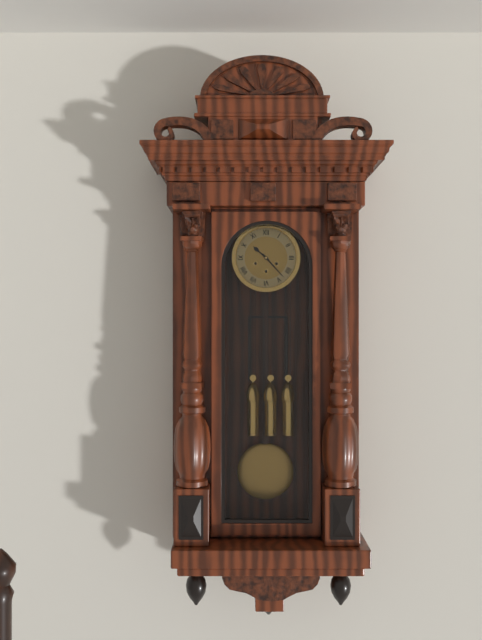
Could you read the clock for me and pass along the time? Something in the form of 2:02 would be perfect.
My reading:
10:23
